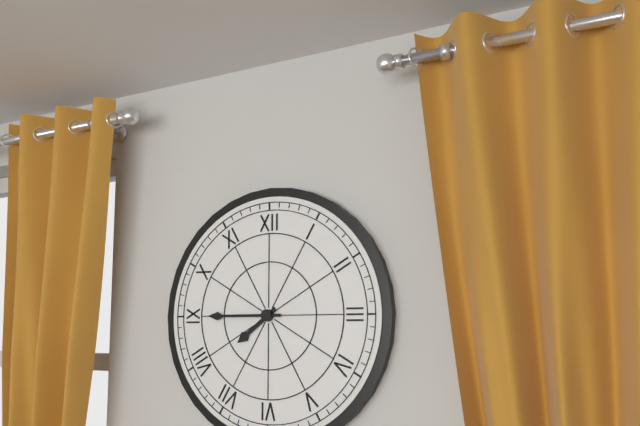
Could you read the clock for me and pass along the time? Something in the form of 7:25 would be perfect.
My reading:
7:45
